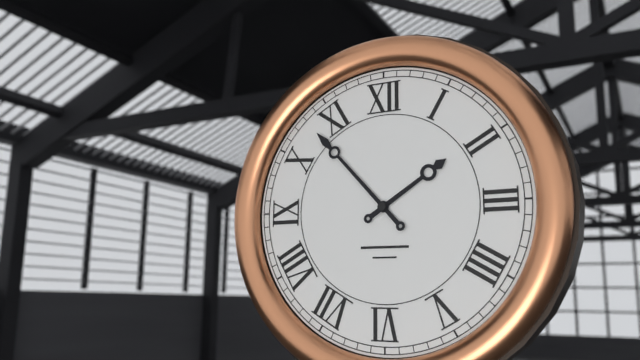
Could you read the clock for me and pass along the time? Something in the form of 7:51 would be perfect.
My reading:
1:53
